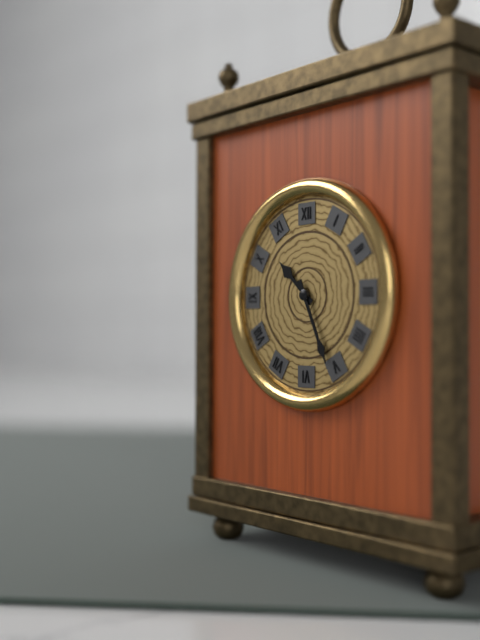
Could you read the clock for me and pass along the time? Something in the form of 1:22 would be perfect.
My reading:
10:26
